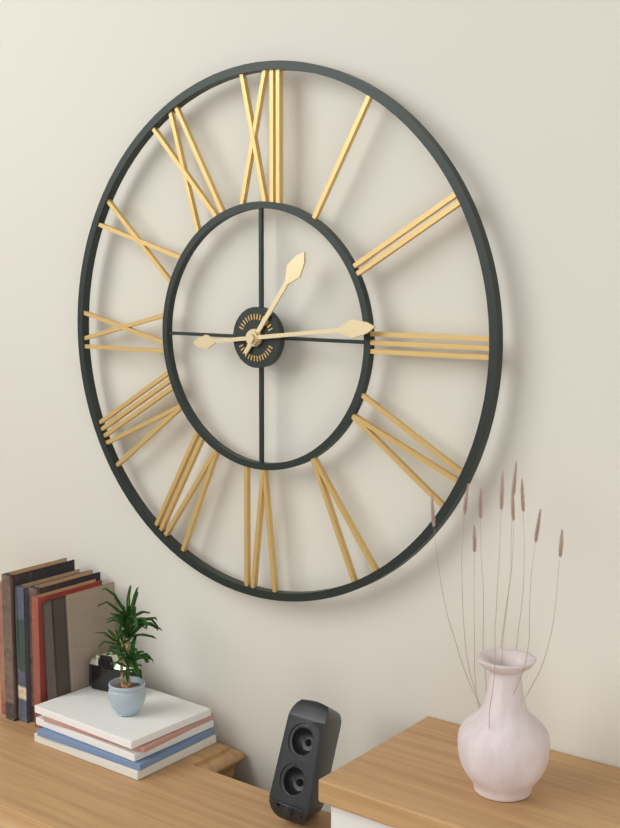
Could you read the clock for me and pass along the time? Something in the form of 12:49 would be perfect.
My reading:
1:14
